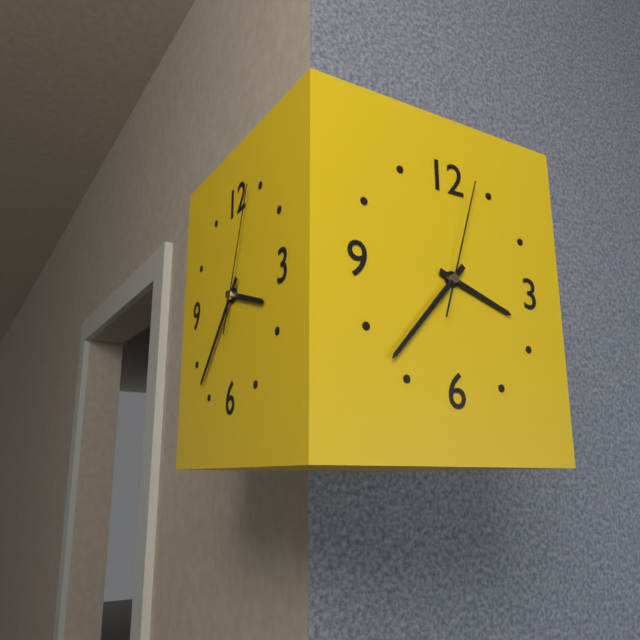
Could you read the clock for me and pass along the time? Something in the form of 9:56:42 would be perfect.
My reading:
3:37:03
